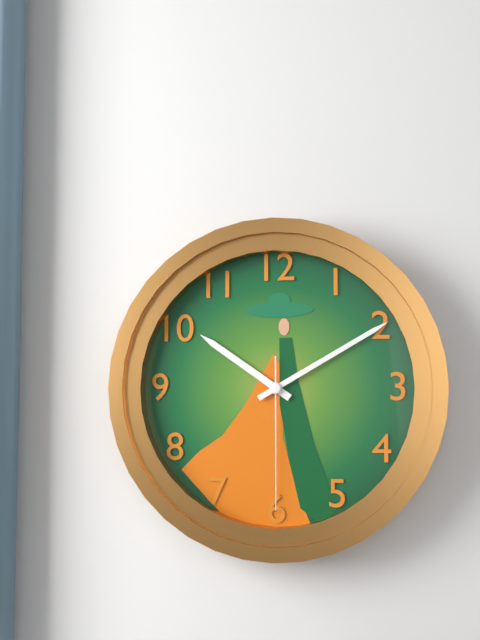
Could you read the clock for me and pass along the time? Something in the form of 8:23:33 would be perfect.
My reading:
10:10:30
